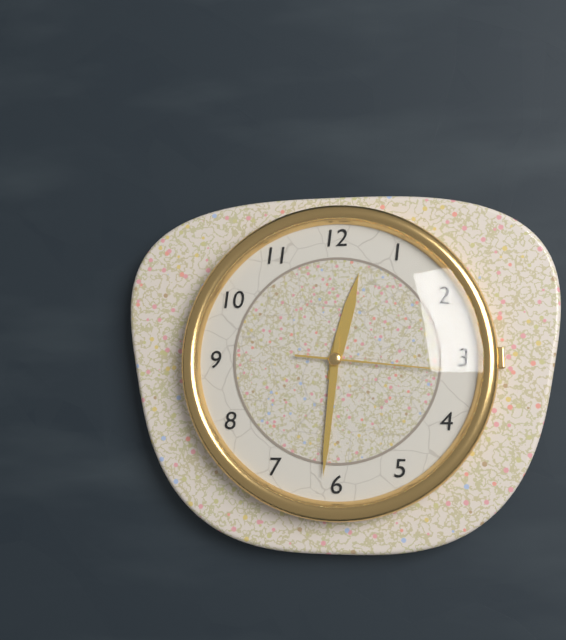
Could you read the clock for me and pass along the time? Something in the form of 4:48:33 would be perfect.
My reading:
12:31:16
